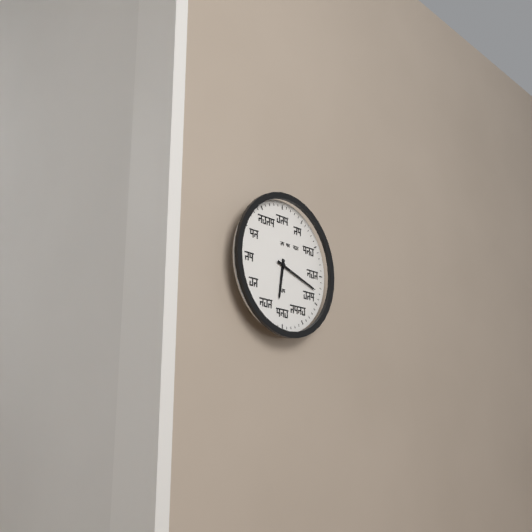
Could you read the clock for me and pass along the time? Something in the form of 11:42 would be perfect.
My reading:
6:18
